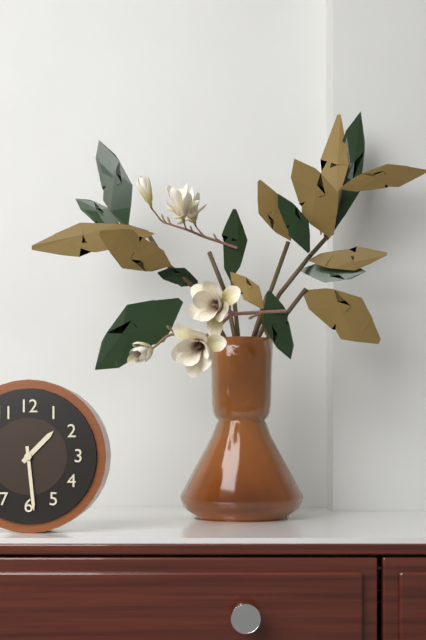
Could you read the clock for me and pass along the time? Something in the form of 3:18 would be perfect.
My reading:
1:29
